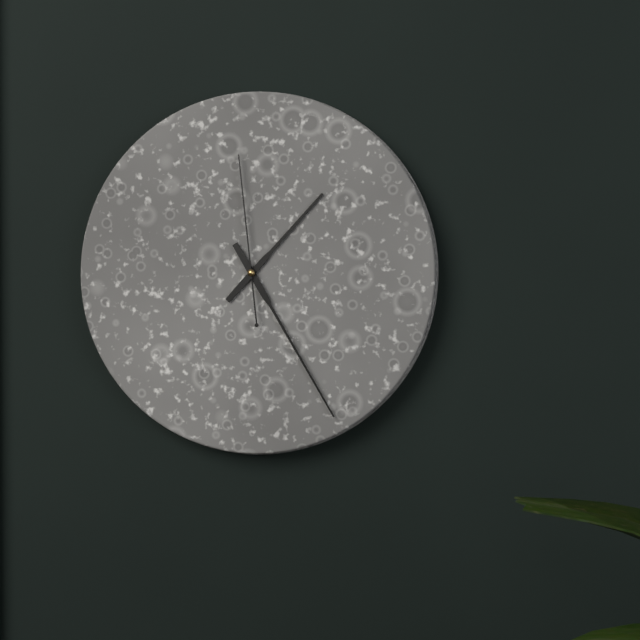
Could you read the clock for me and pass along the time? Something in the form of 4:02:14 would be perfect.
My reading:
1:25:59
